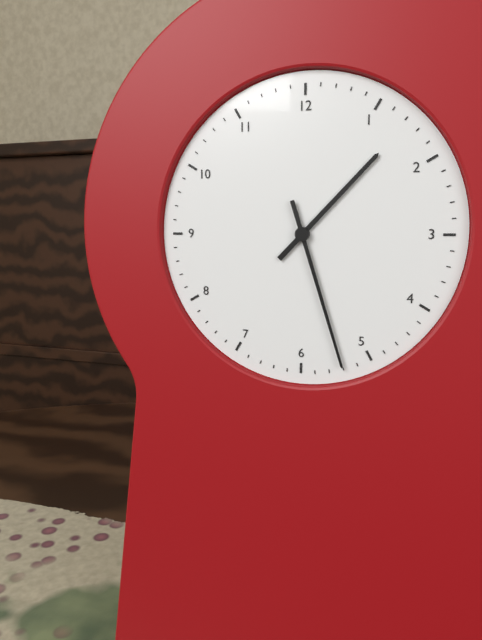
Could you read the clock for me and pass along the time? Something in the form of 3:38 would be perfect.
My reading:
1:27
